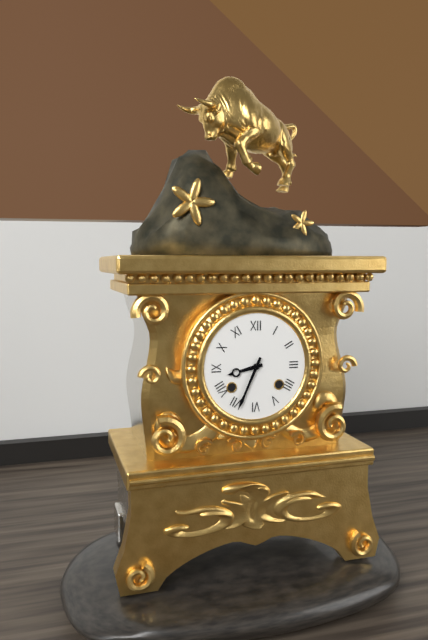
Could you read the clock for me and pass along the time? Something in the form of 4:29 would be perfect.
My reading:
8:34
